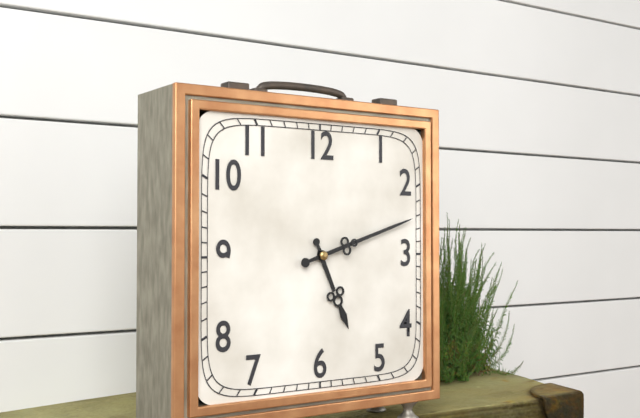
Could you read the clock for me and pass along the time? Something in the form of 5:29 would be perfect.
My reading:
5:12
